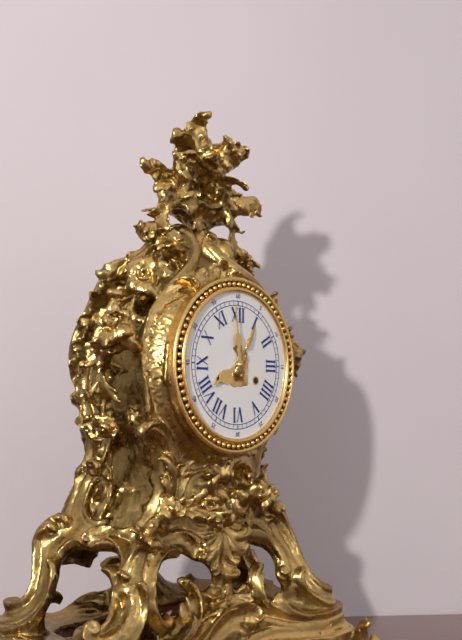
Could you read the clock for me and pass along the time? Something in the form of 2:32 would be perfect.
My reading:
7:59
